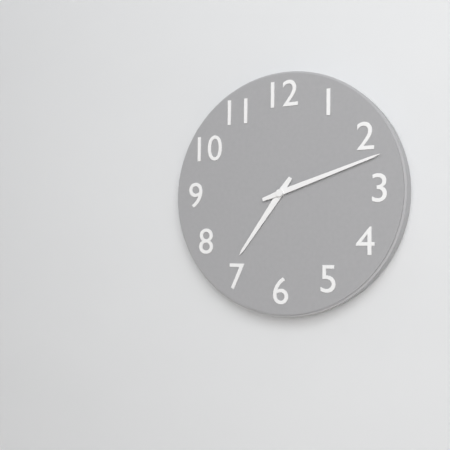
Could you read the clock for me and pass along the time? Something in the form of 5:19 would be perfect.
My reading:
7:12
